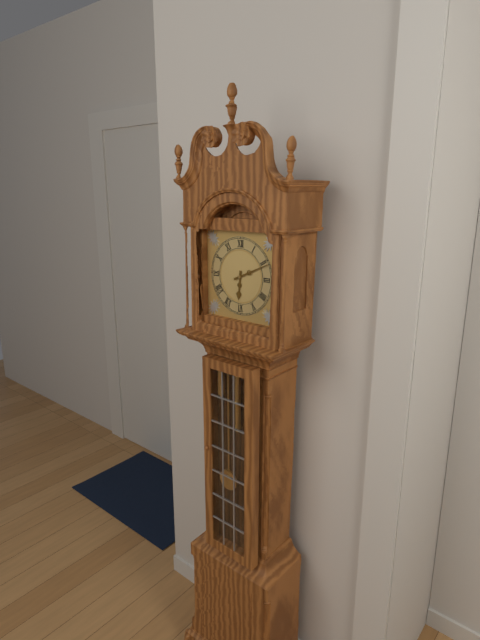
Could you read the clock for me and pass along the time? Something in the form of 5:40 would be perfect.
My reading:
6:11
